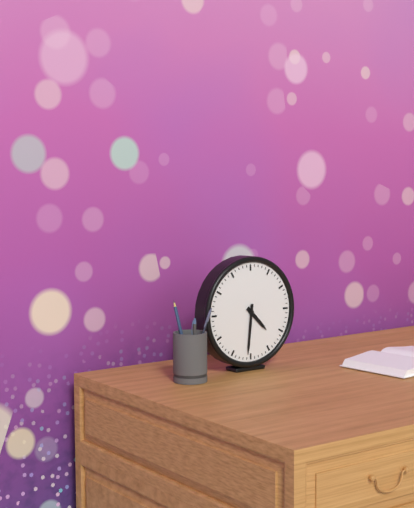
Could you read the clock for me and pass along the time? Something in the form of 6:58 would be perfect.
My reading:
4:31
